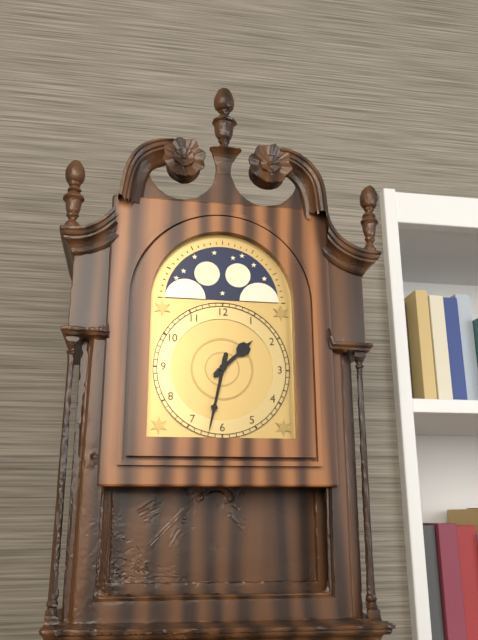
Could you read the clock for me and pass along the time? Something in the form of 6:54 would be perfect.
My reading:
1:32
